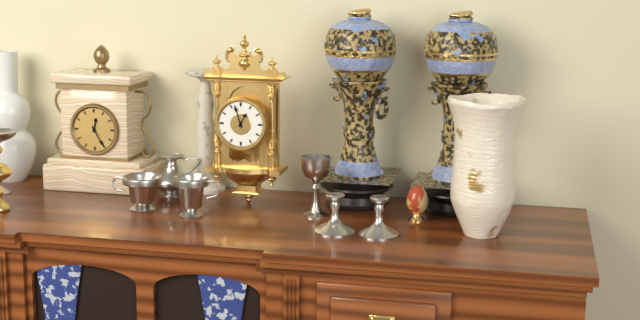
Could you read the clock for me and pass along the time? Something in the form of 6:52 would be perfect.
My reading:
12:57
